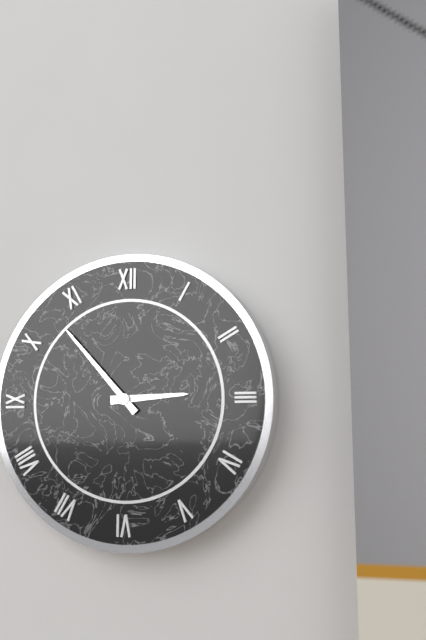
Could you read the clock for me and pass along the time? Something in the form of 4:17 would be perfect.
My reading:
2:53
